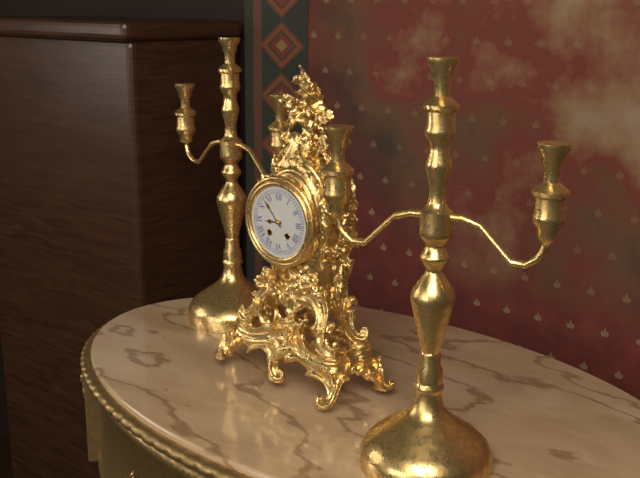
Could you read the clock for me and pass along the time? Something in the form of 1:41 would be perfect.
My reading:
8:53
